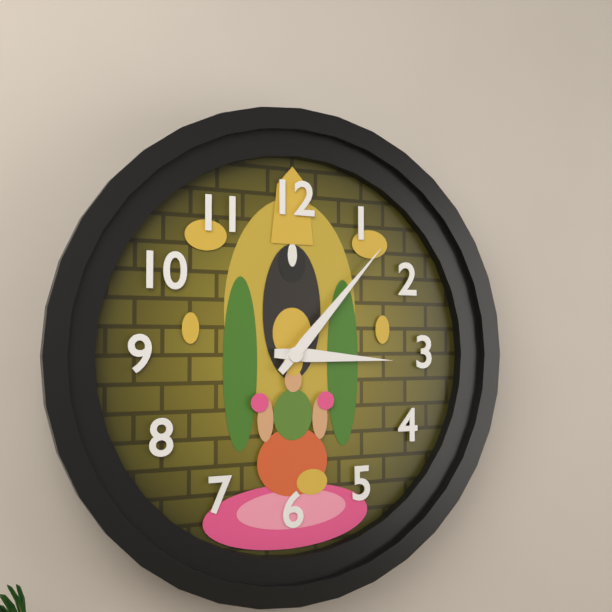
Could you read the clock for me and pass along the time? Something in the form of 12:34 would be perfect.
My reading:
3:07
